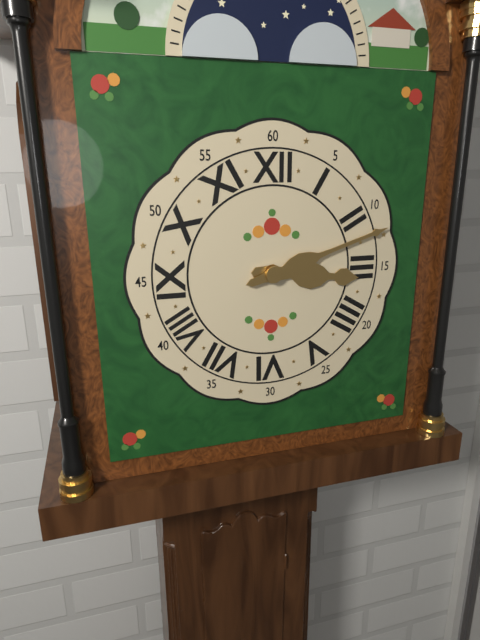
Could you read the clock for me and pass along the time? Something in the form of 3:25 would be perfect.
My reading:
3:12
